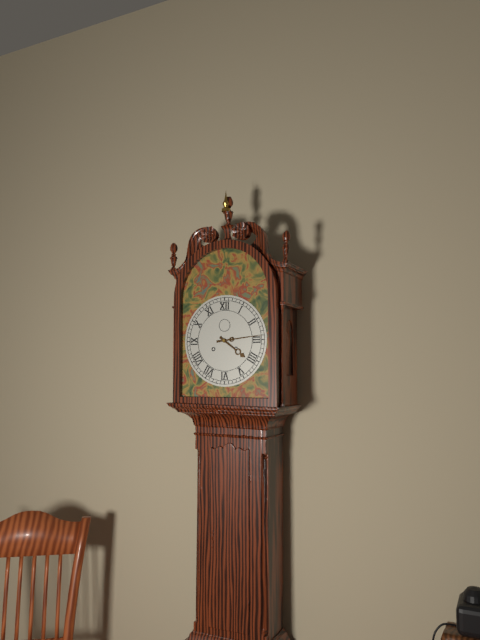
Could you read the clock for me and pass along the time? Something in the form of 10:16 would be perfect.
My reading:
4:14
